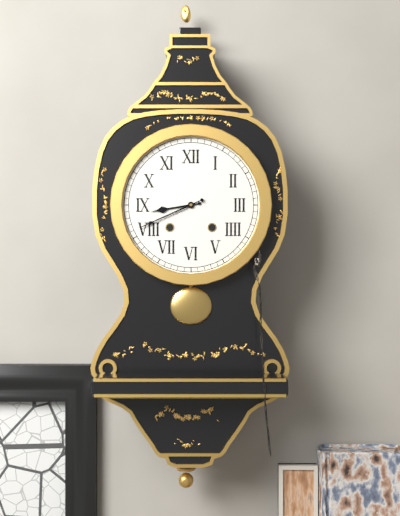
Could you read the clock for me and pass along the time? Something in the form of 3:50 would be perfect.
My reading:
8:41
